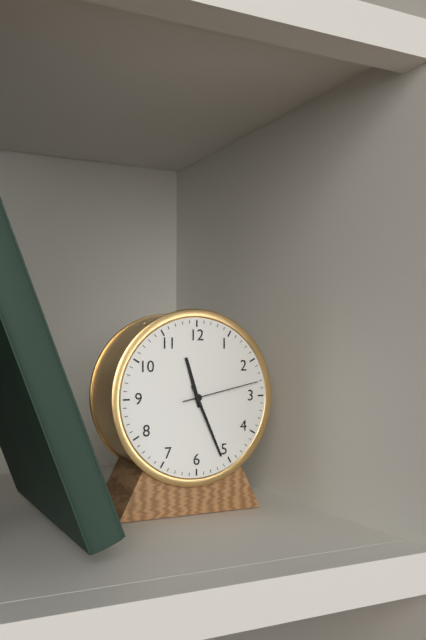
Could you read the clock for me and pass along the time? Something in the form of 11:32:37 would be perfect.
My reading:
11:26:13
